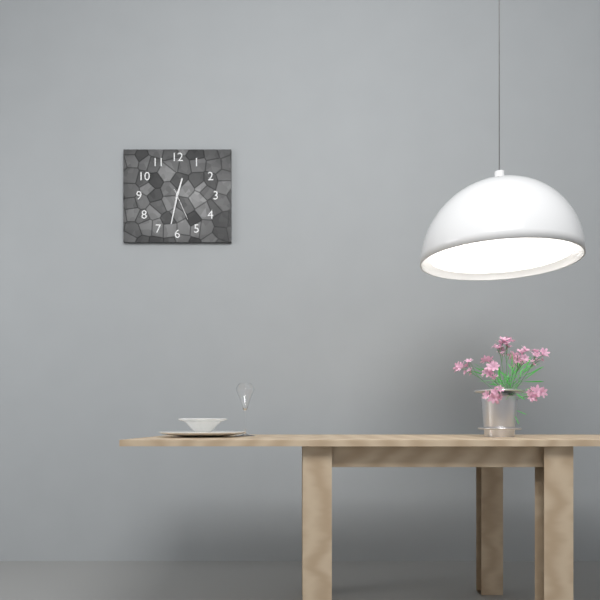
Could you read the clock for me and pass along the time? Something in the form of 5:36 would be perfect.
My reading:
12:32
